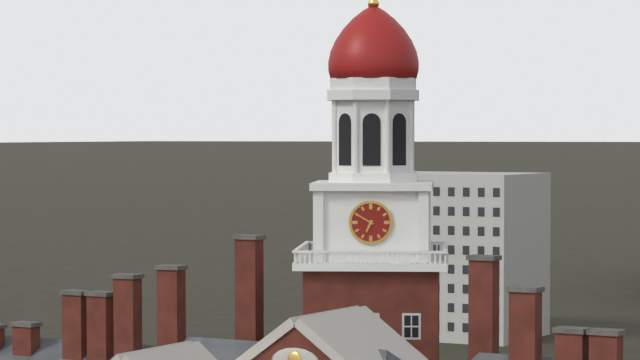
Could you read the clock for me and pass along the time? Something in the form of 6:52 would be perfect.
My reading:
6:50
